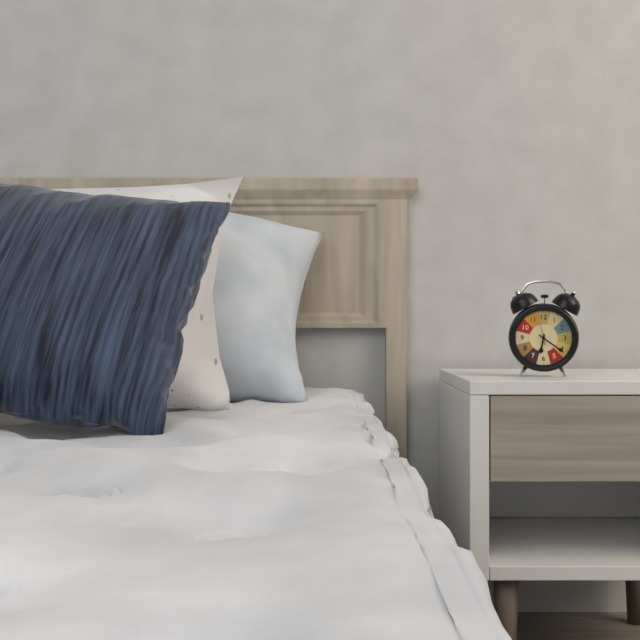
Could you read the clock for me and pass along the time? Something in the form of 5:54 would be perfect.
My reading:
6:21
